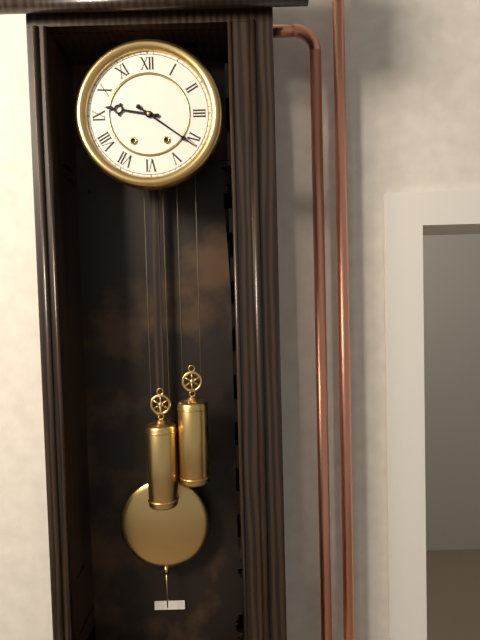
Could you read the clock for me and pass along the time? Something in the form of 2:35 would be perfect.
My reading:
9:21
